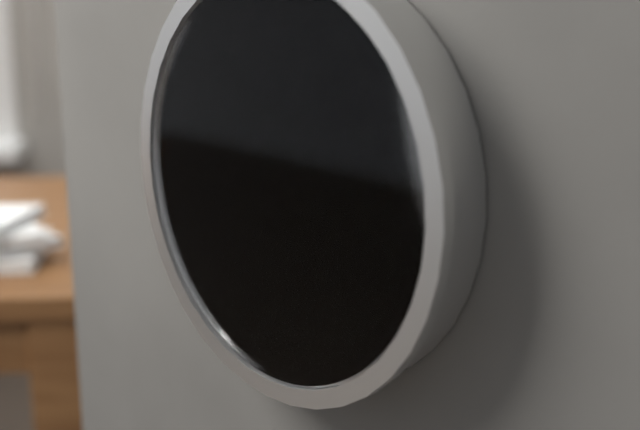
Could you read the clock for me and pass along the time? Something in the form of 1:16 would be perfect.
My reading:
9:18
